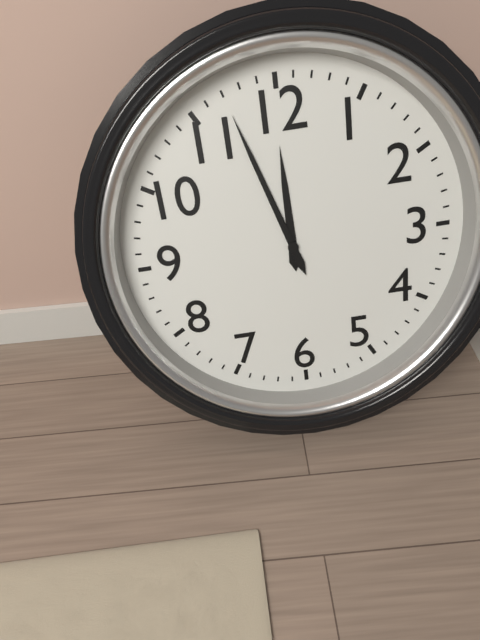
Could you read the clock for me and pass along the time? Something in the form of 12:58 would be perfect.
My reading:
11:57
